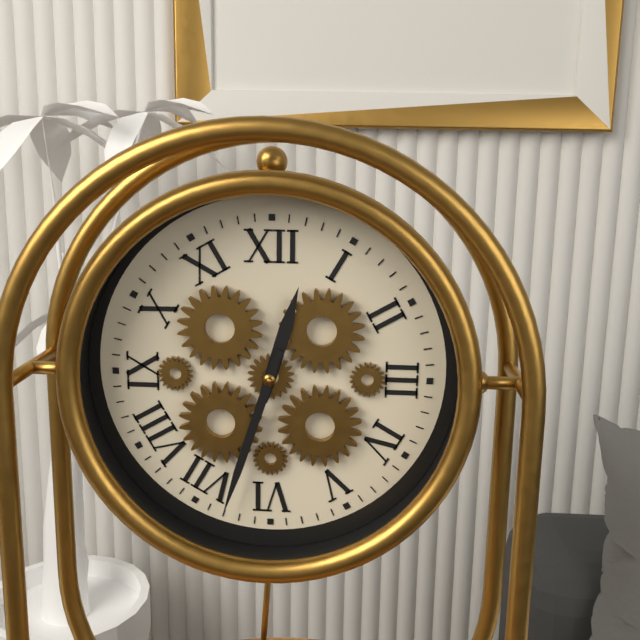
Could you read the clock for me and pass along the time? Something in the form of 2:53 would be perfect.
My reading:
12:33
